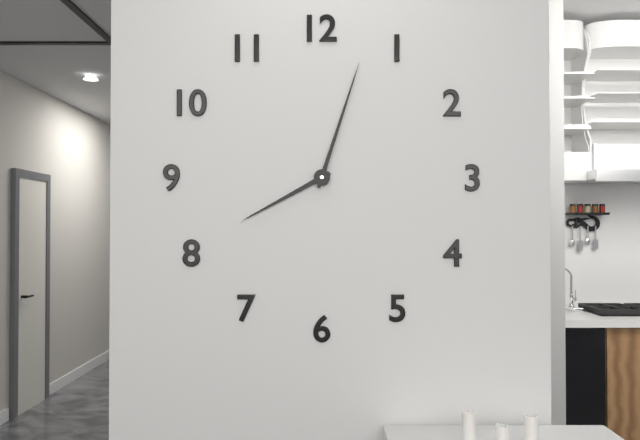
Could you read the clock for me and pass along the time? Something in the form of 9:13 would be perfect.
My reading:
8:03
